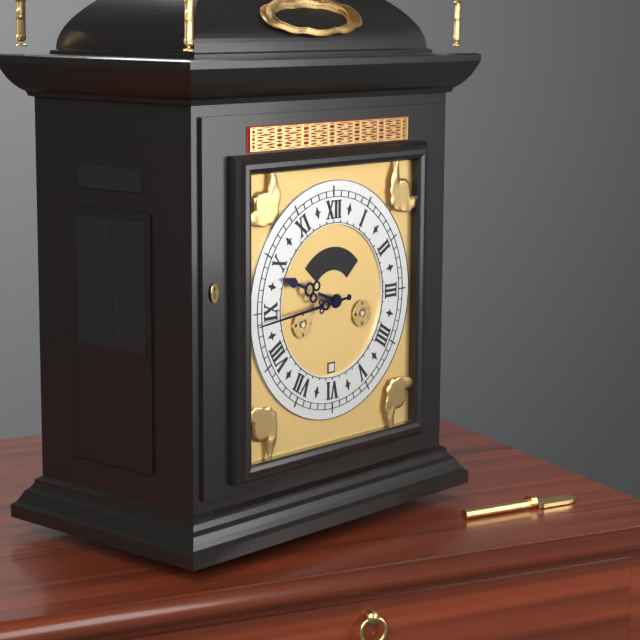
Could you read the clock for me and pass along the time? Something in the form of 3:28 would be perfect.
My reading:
9:44
